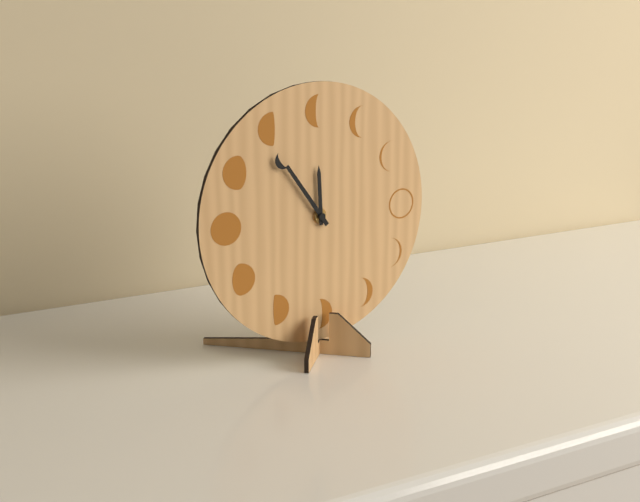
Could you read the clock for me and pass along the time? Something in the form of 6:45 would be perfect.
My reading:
11:54
